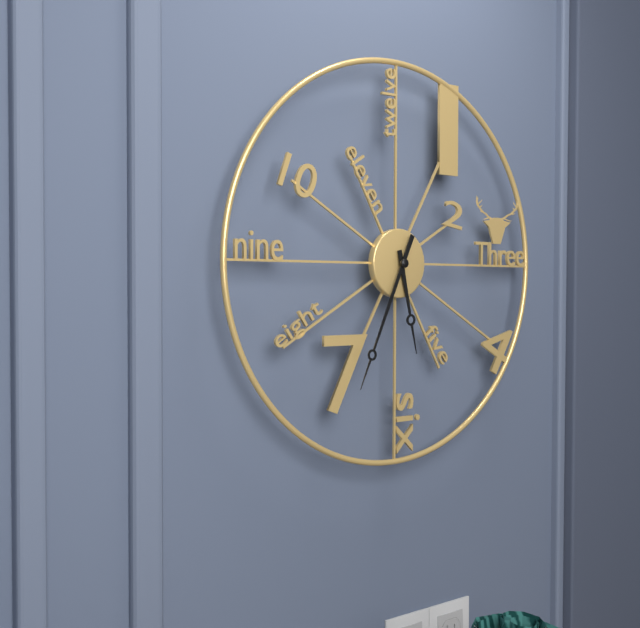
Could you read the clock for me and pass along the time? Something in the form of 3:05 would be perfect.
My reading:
5:34
